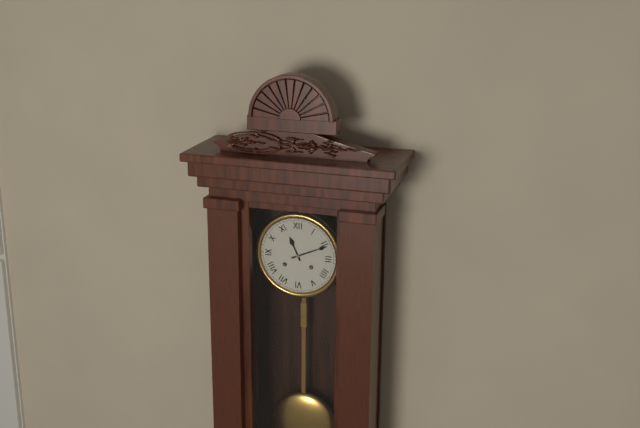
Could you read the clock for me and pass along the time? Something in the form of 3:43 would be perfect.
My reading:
11:11
